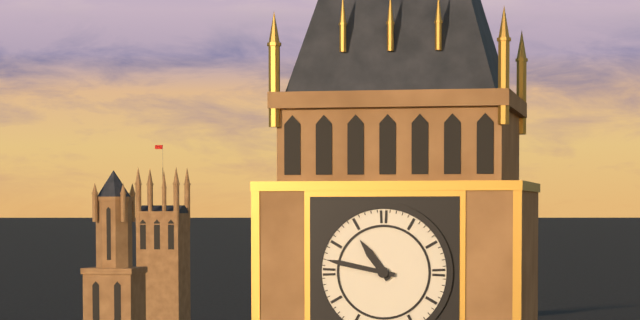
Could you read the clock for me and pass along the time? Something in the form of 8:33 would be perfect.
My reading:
10:47
